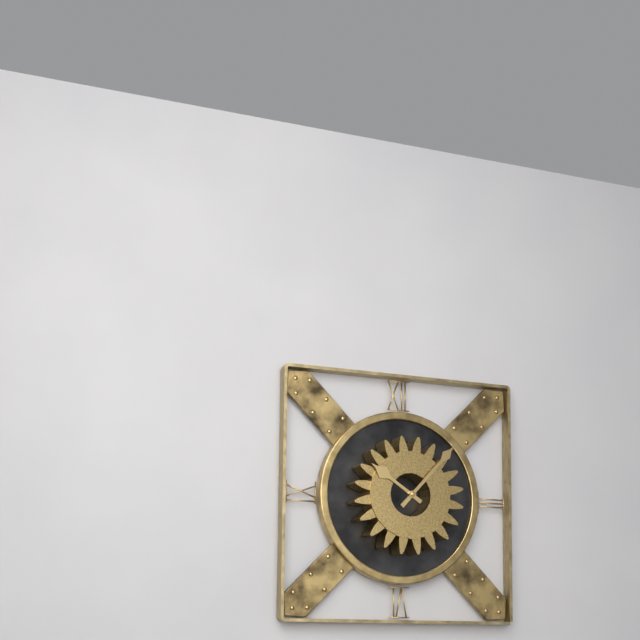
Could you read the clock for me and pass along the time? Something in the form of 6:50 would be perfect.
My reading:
10:07
